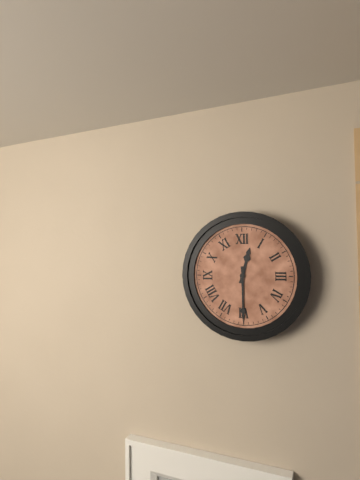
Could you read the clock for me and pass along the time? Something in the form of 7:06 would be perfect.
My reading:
12:30
